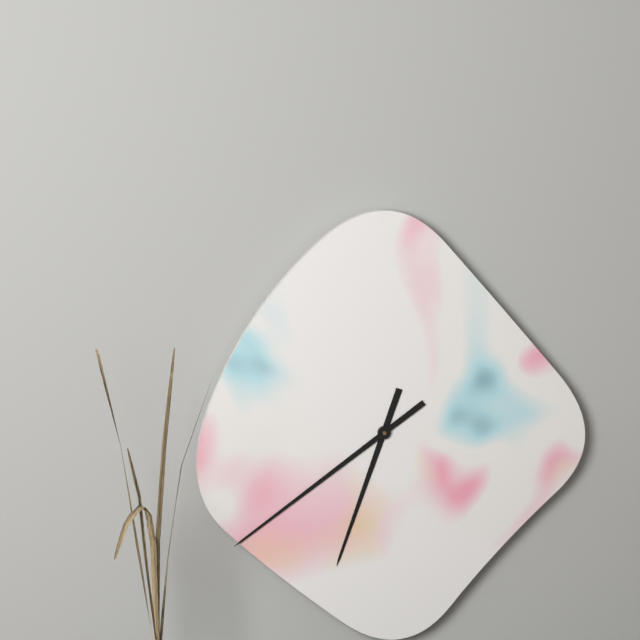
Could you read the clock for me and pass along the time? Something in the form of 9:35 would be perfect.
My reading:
6:39
